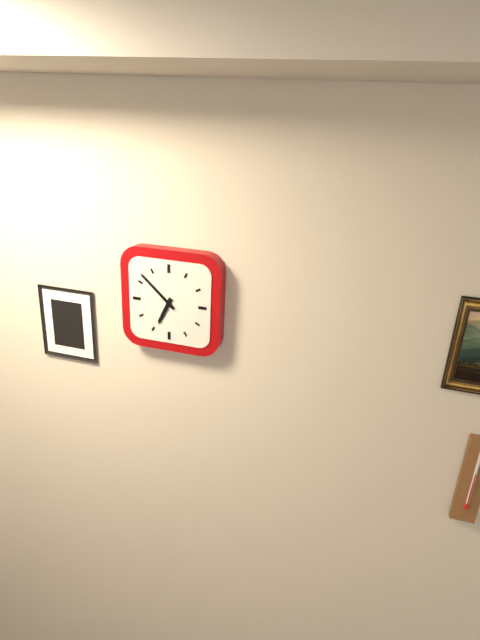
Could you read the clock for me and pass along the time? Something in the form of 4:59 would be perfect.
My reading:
6:52
